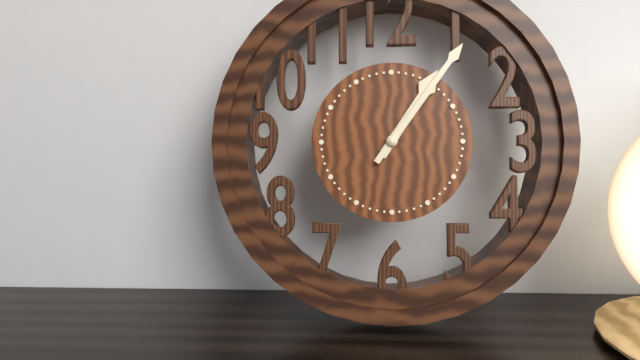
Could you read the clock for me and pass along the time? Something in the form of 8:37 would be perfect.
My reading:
1:06
